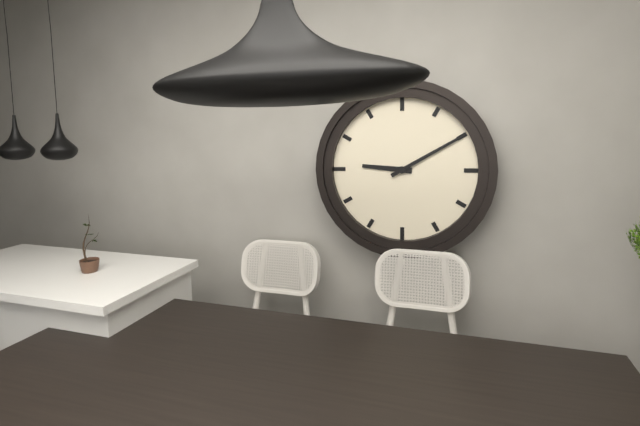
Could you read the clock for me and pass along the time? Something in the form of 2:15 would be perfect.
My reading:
9:10
